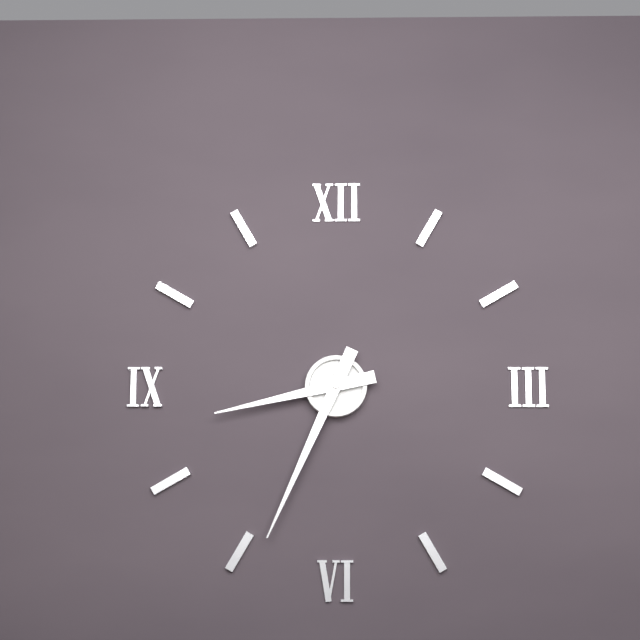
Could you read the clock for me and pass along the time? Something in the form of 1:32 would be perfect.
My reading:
8:34
